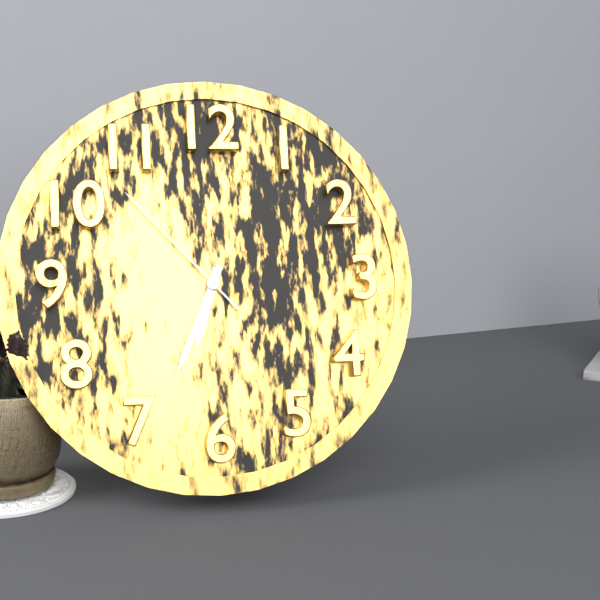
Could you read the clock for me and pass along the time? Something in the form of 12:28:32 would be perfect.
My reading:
6:34:53
